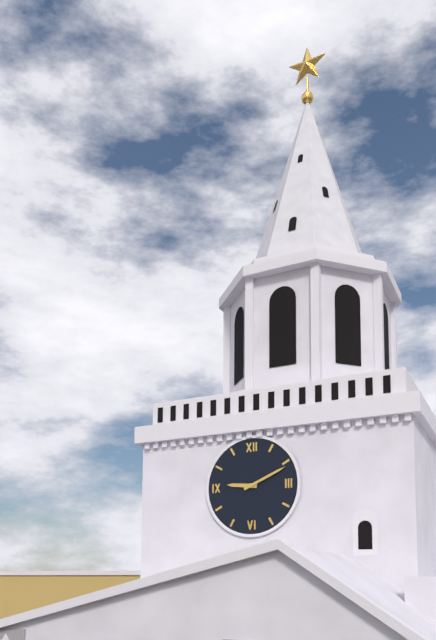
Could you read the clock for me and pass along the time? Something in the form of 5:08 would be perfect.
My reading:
9:11
